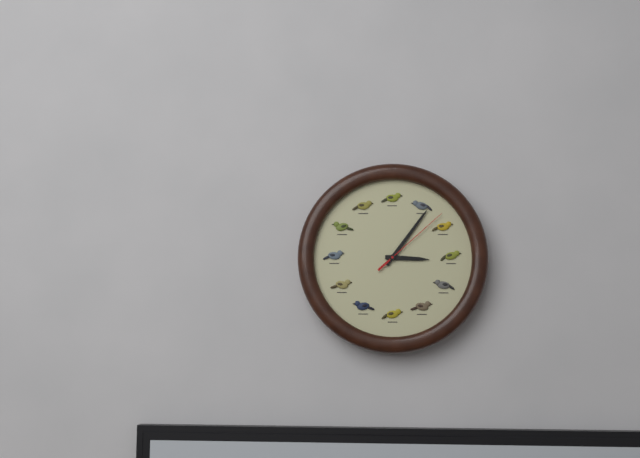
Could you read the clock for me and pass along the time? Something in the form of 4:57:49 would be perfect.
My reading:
3:06:08
